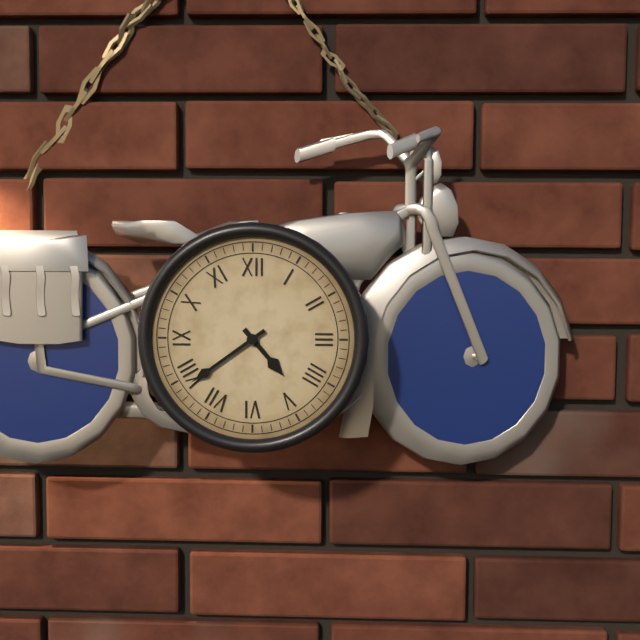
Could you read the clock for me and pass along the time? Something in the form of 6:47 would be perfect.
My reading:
4:39
